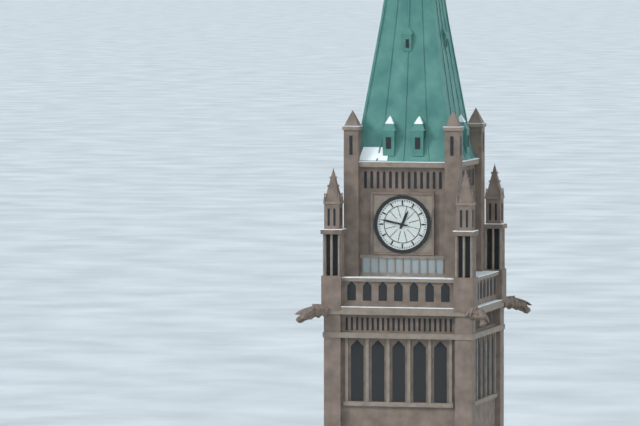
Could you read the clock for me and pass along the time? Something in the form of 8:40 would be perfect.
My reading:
12:47
